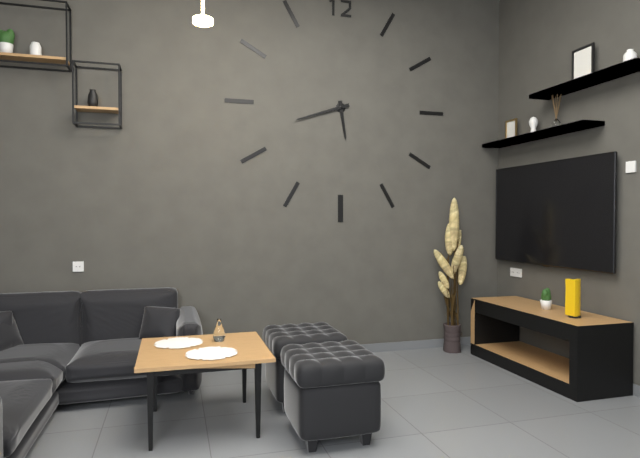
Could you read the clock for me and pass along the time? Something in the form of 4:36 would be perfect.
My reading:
5:42
